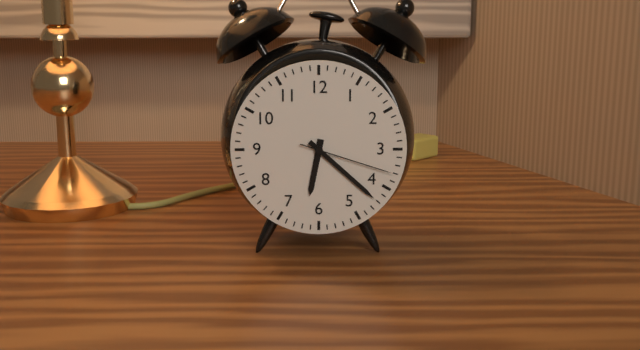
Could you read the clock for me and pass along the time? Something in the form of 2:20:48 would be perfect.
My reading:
6:22:18
